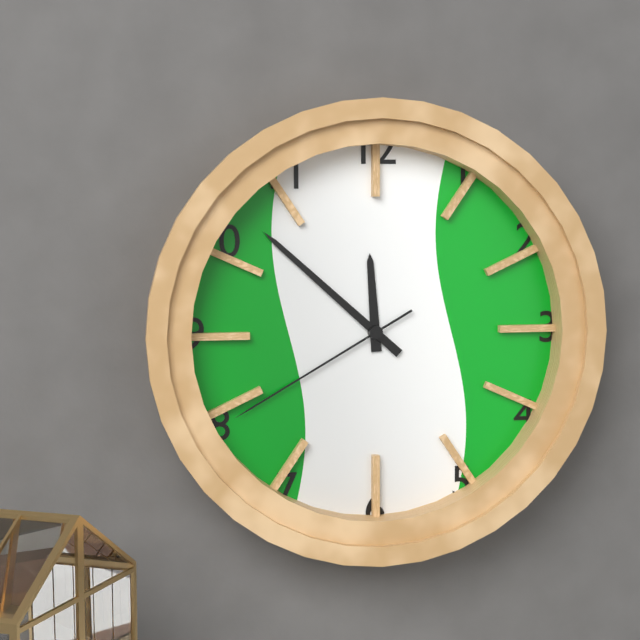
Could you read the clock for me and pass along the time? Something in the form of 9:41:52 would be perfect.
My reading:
11:52:40
